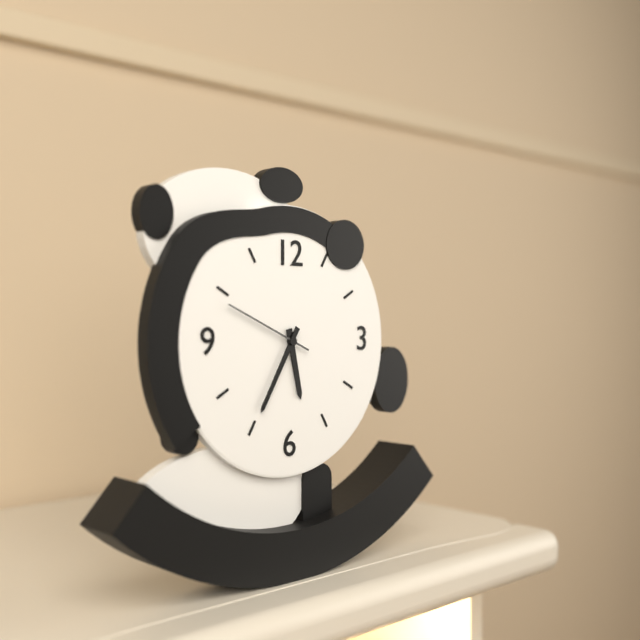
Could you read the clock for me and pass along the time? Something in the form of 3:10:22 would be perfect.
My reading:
5:35:49
